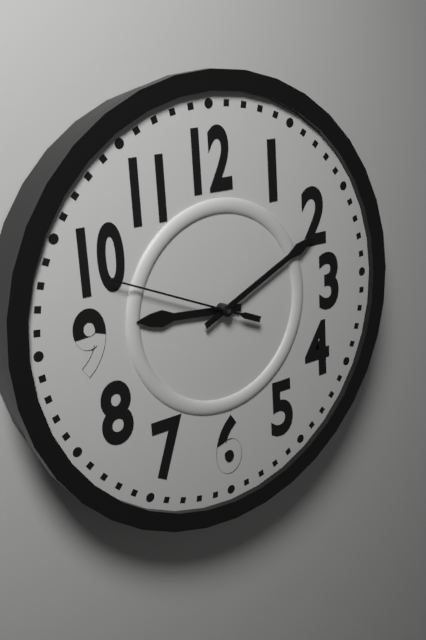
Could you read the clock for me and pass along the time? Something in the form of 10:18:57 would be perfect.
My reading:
9:11:49
